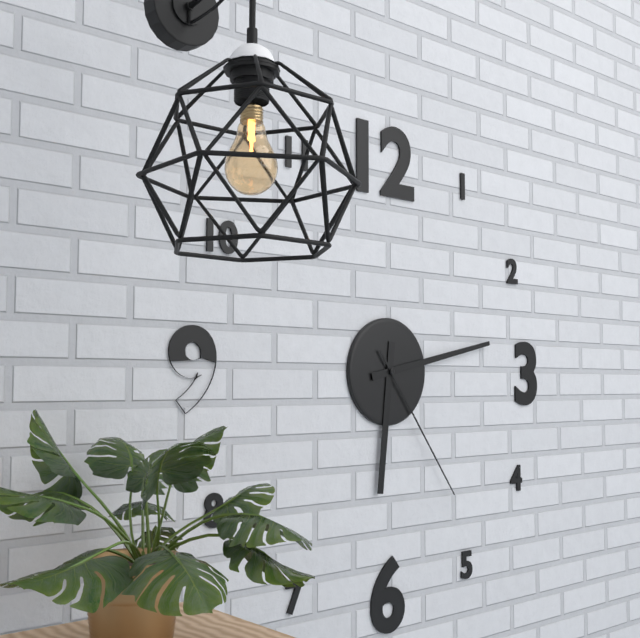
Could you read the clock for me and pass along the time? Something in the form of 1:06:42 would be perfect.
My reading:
6:13:24
